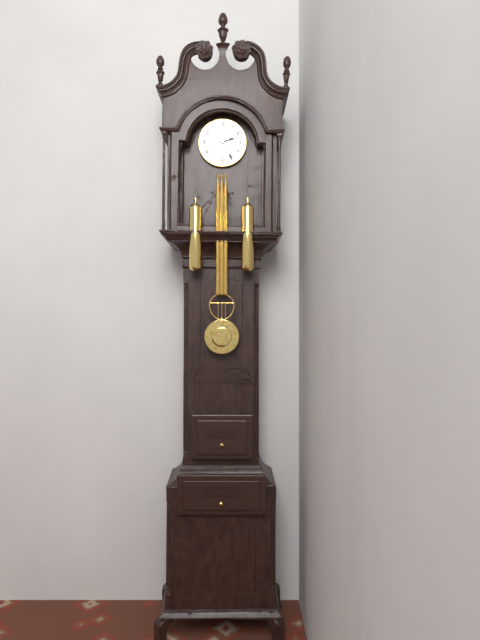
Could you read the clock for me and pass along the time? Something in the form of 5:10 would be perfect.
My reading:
2:25
